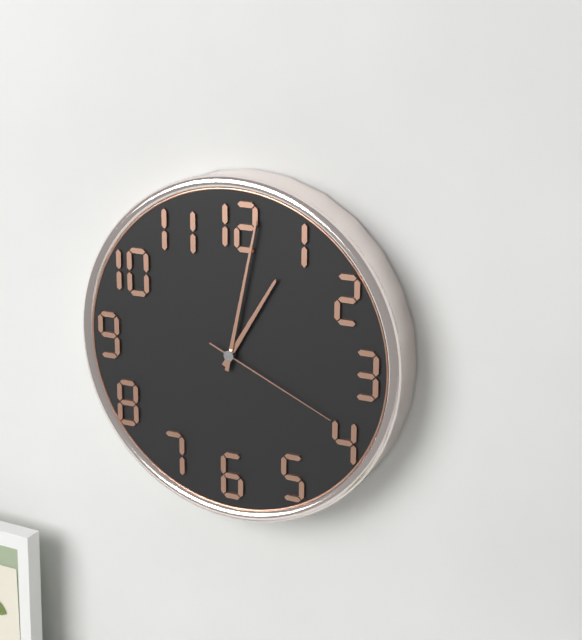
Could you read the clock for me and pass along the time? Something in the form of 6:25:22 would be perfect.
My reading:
1:02:19
